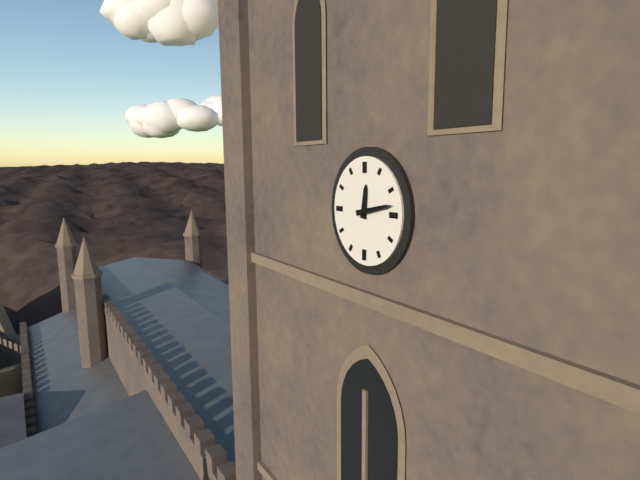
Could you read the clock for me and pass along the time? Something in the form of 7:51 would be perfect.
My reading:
12:13
